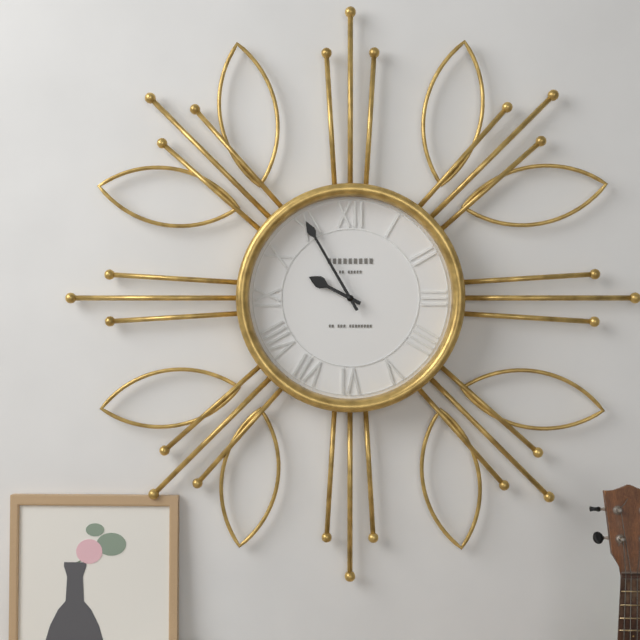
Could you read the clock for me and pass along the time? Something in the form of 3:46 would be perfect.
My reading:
9:55
